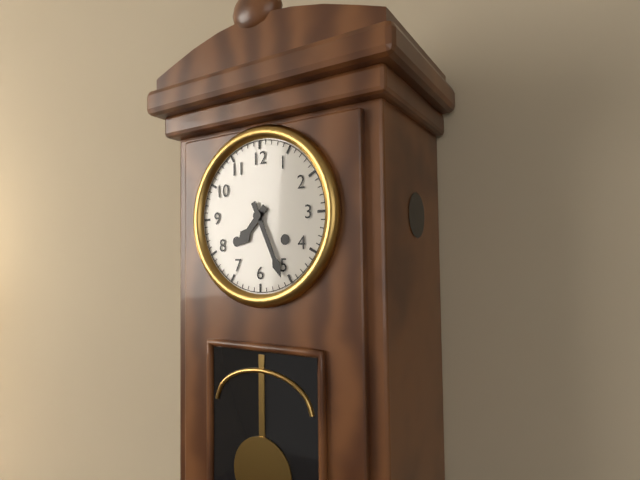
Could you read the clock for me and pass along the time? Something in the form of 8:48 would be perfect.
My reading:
7:26
